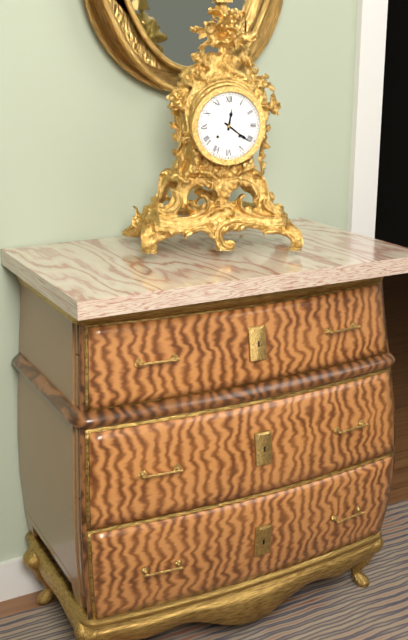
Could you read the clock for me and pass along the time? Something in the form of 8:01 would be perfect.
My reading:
12:21
